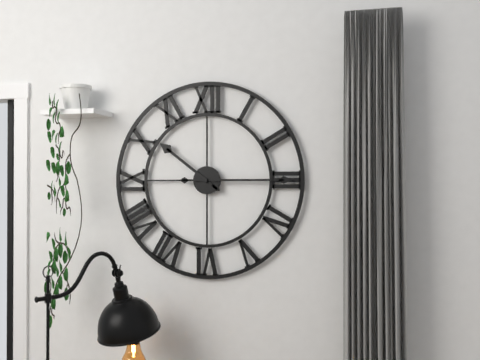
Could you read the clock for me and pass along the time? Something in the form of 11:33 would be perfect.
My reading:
10:15
